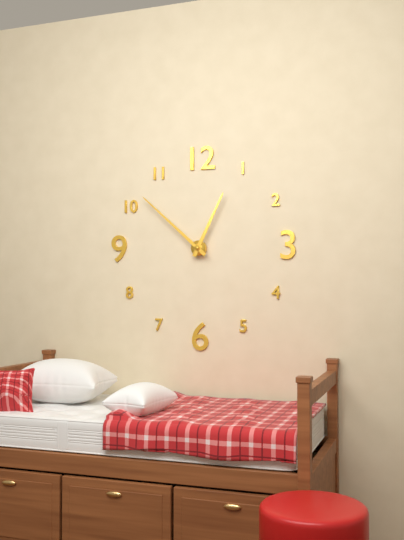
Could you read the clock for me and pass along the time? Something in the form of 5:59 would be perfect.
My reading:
12:52
